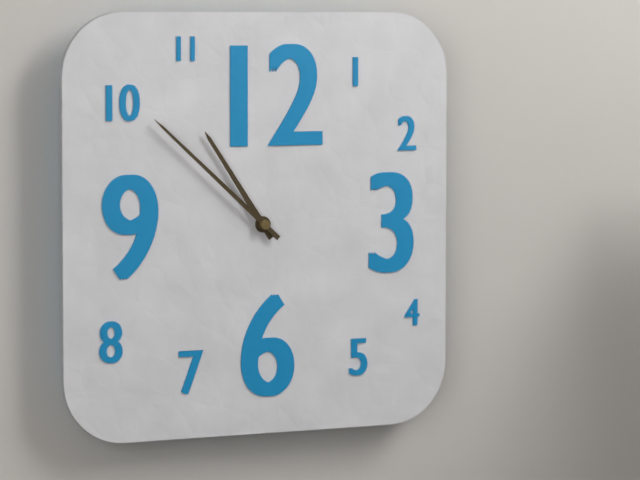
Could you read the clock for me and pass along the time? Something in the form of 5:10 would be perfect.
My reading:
10:52
